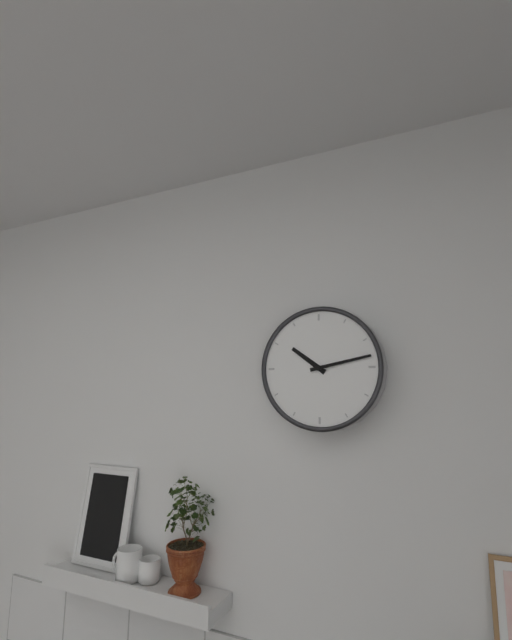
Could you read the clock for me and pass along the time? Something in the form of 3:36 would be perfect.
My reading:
10:13
